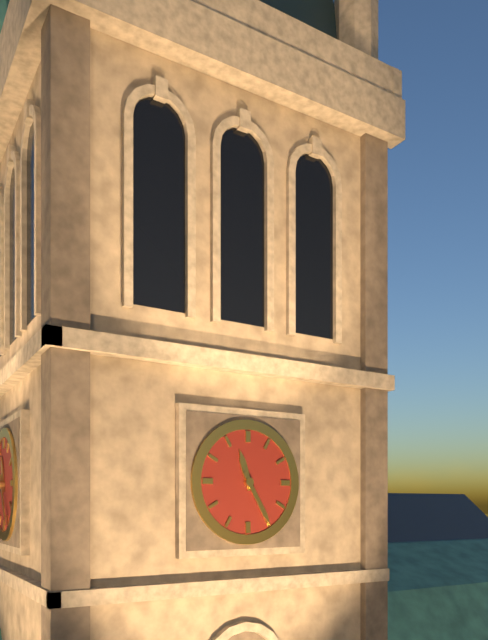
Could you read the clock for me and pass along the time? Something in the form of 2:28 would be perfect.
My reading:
11:25
